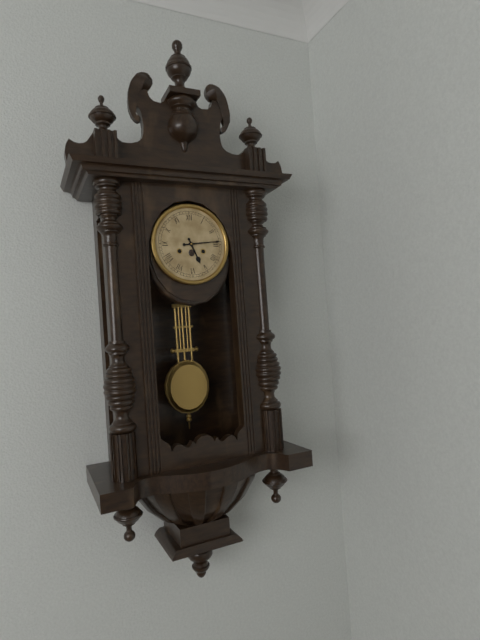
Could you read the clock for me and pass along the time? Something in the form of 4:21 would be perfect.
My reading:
5:14
